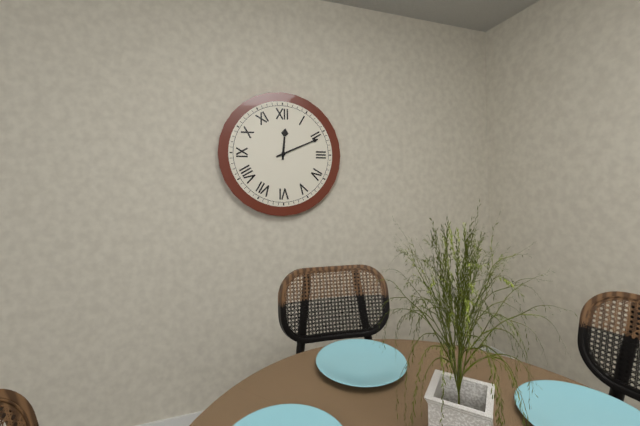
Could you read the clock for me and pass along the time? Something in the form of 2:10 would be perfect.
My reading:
12:11
